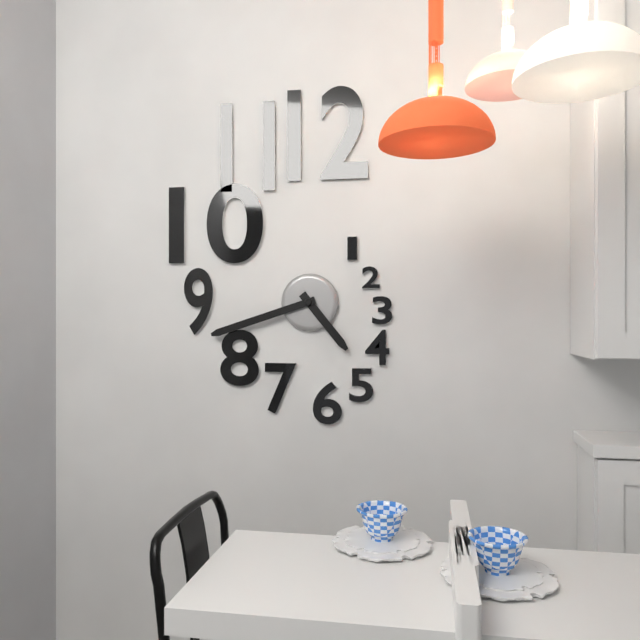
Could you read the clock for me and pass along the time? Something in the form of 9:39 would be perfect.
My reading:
4:42
